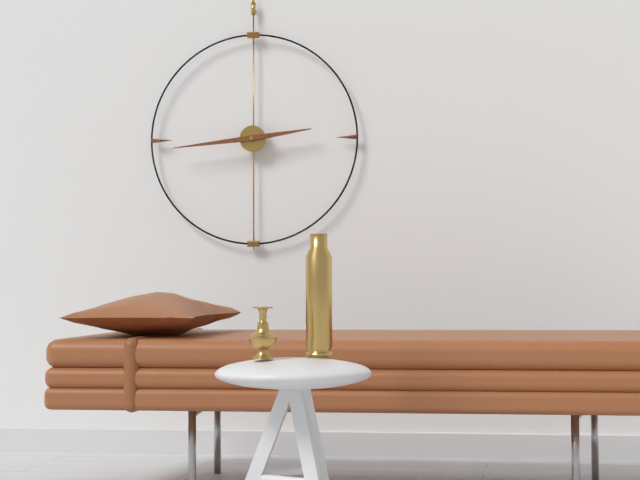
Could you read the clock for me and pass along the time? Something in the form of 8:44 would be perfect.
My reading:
2:44
